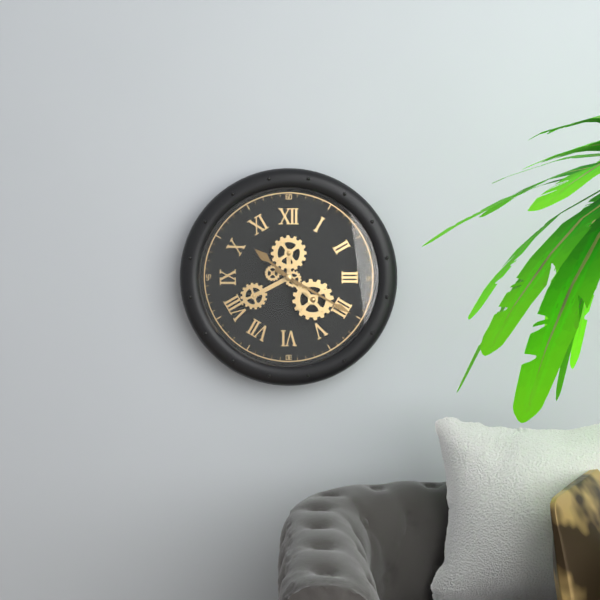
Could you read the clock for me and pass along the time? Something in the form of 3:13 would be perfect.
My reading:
10:20
